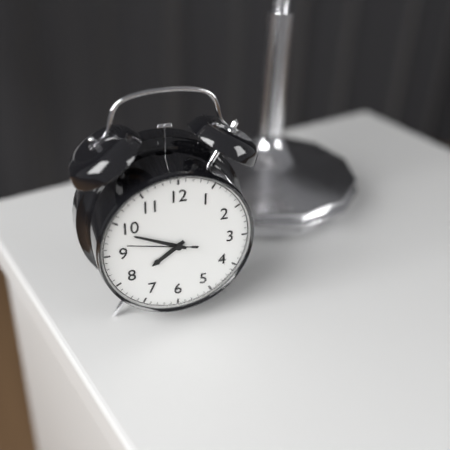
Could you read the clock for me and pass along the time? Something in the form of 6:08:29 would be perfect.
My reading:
7:49:47
